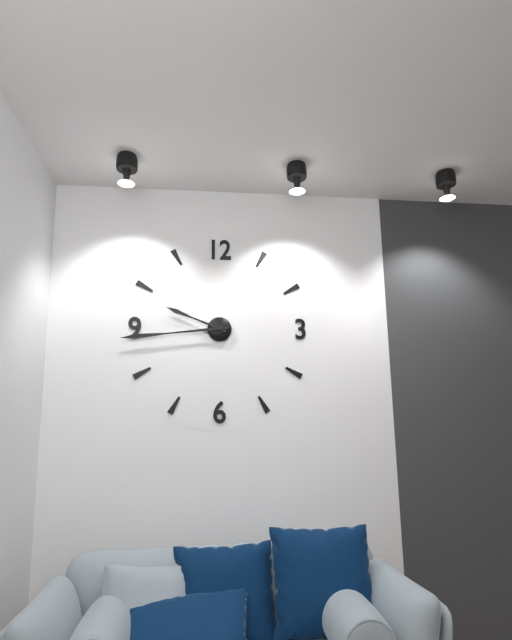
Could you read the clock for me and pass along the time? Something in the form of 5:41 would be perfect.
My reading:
9:44
